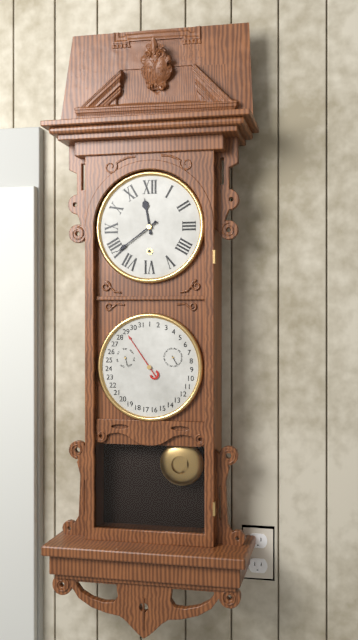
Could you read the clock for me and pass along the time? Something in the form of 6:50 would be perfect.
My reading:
11:39
